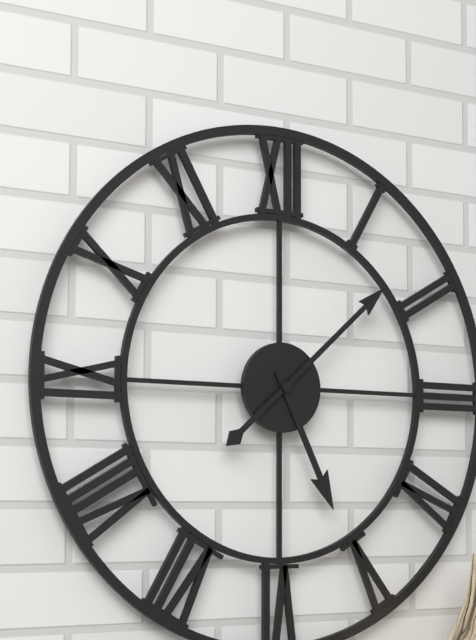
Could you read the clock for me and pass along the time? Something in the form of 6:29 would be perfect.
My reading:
5:08
